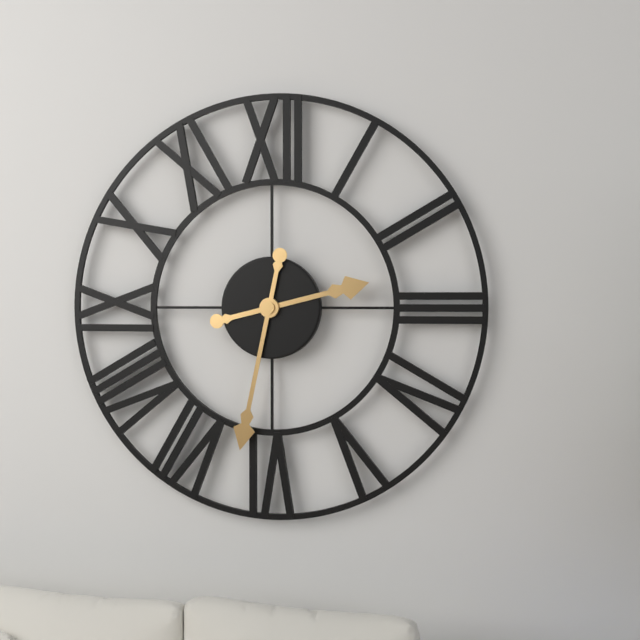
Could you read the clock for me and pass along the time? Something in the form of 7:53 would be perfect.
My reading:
2:32
